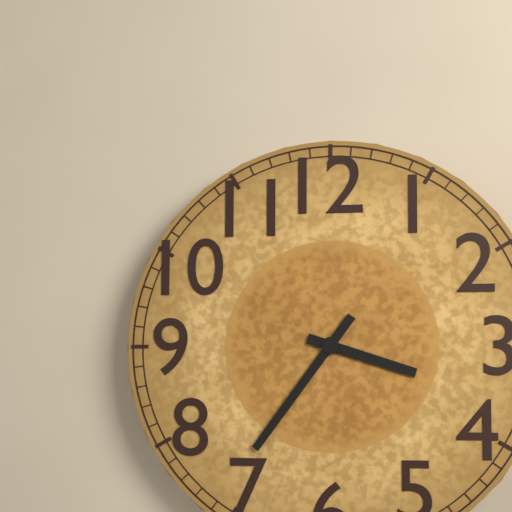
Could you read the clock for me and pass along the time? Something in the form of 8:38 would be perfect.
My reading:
3:36
